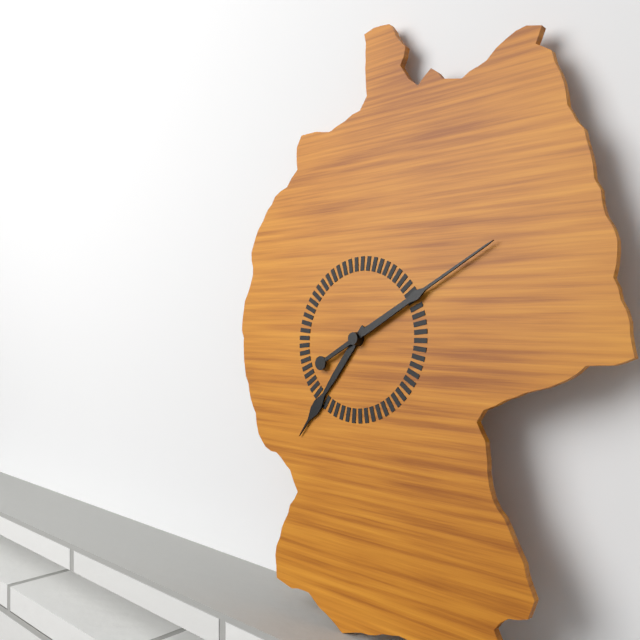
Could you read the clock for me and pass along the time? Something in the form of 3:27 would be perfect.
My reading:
7:10
